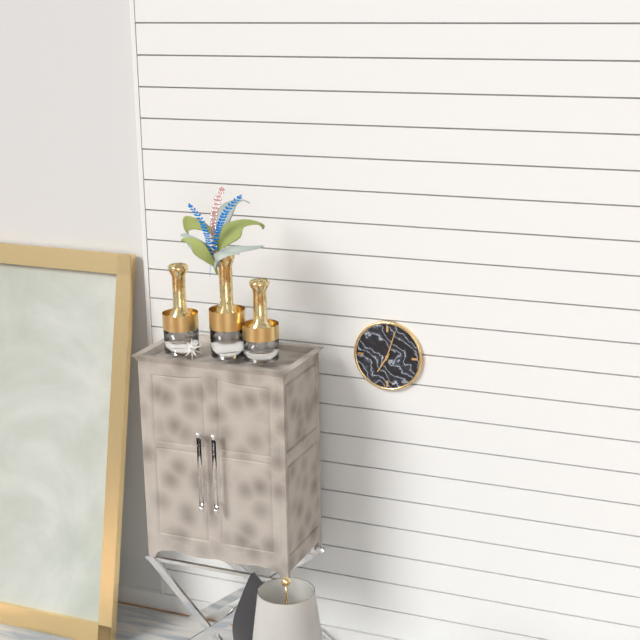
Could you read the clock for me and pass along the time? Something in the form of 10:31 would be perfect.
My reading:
7:03
